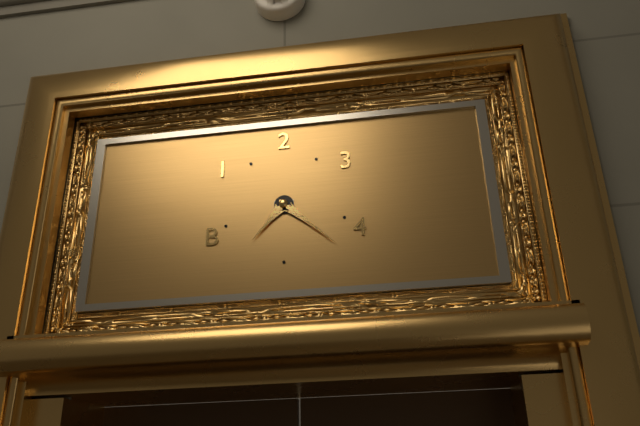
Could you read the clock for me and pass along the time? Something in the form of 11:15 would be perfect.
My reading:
7:22
